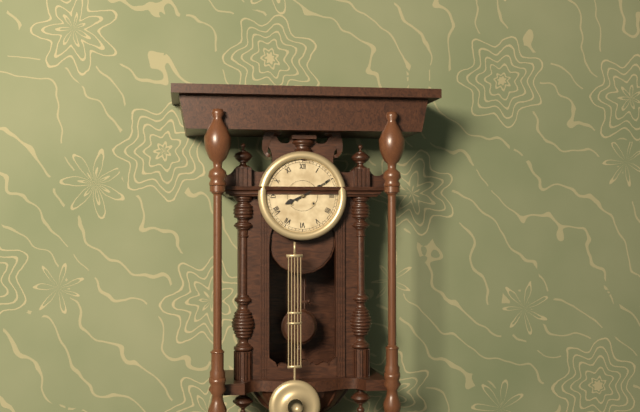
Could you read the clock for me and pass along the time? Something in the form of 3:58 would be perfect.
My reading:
8:10
